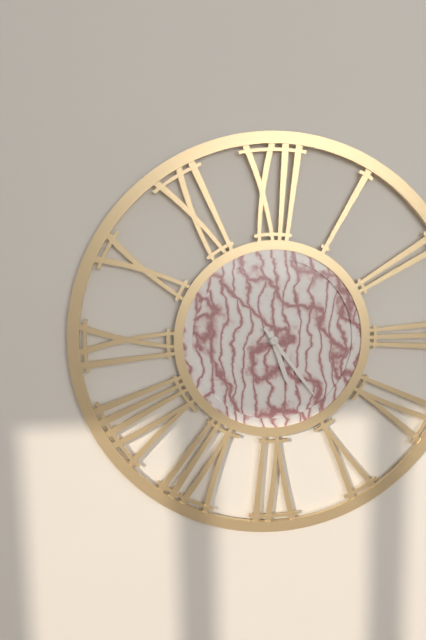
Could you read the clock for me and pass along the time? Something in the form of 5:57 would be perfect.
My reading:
5:24
